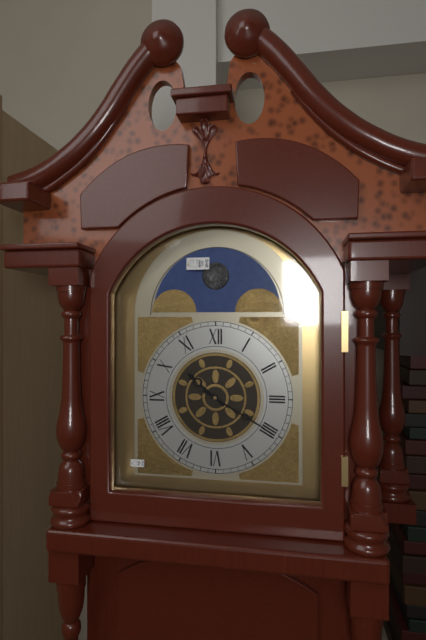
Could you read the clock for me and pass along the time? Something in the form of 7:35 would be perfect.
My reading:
10:20
